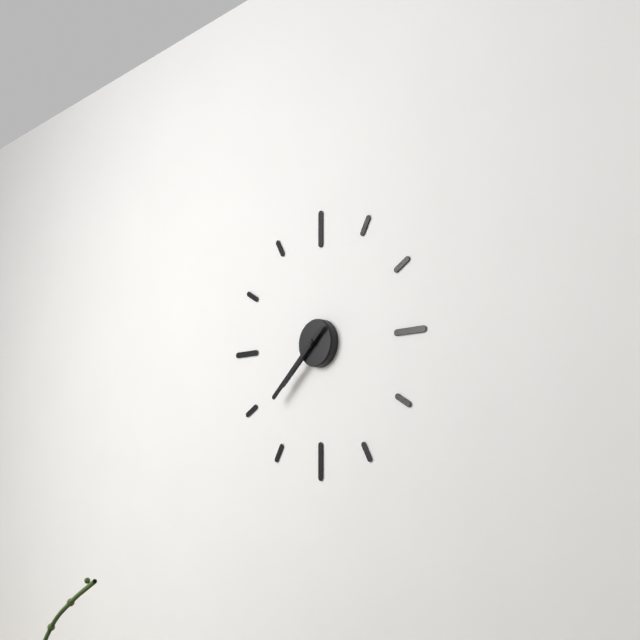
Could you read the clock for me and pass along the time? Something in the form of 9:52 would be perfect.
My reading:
7:38
